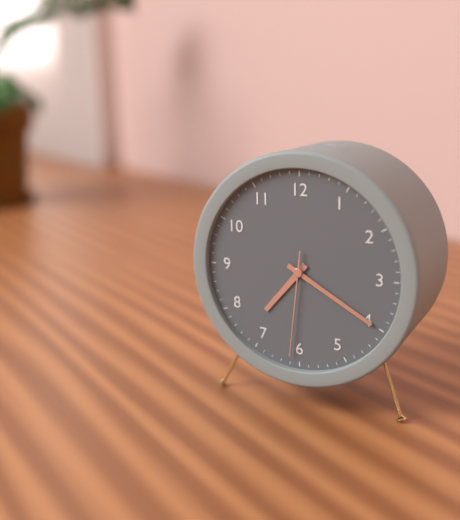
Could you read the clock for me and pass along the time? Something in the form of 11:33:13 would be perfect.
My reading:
7:20:31
